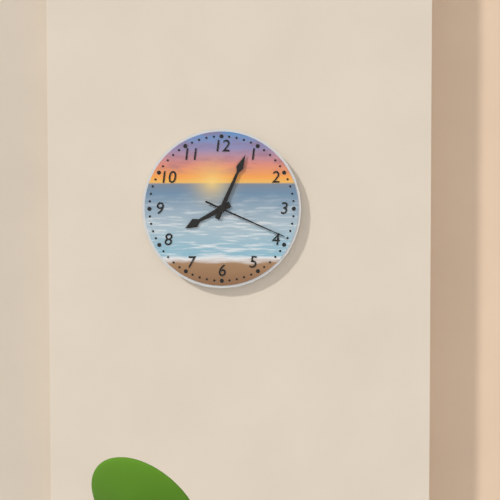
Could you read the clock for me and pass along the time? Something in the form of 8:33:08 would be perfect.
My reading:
8:04:19
